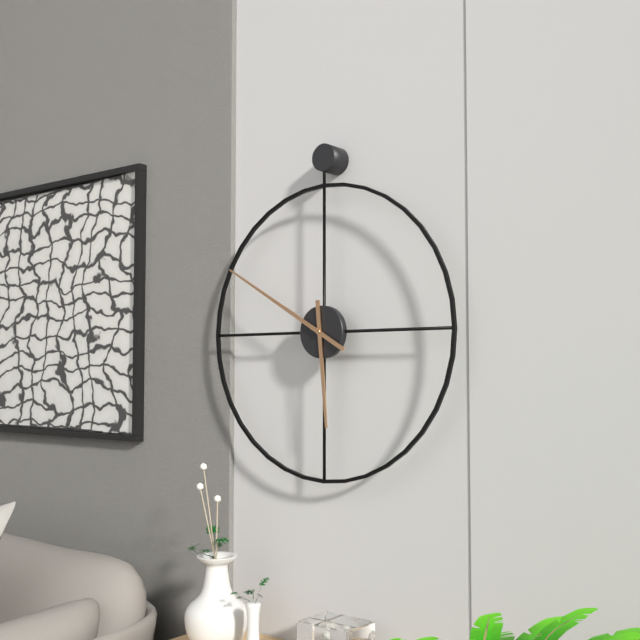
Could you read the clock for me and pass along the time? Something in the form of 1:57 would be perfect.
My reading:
5:50
